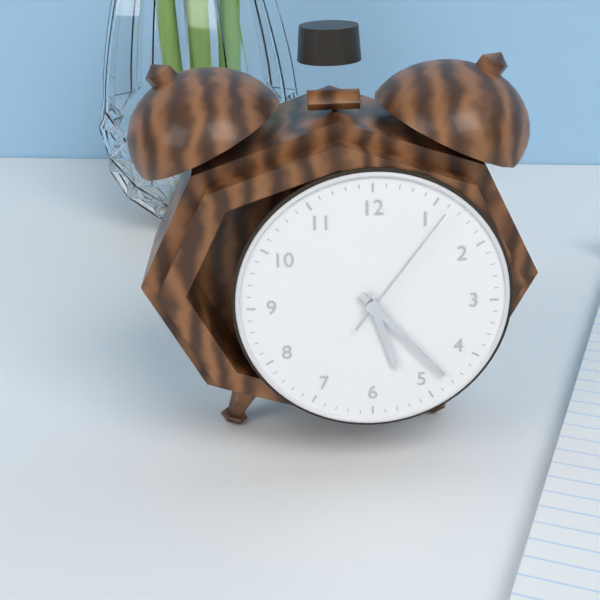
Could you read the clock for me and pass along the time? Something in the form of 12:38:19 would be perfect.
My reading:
5:23:06
